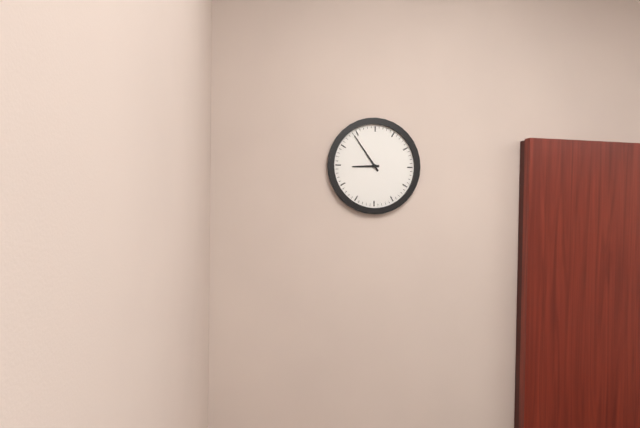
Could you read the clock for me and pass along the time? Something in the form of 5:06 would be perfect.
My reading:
8:54
